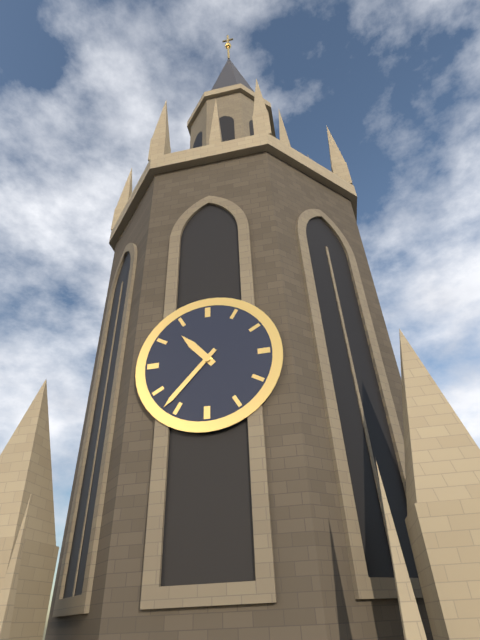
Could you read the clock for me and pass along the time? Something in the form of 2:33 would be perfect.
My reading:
10:37
